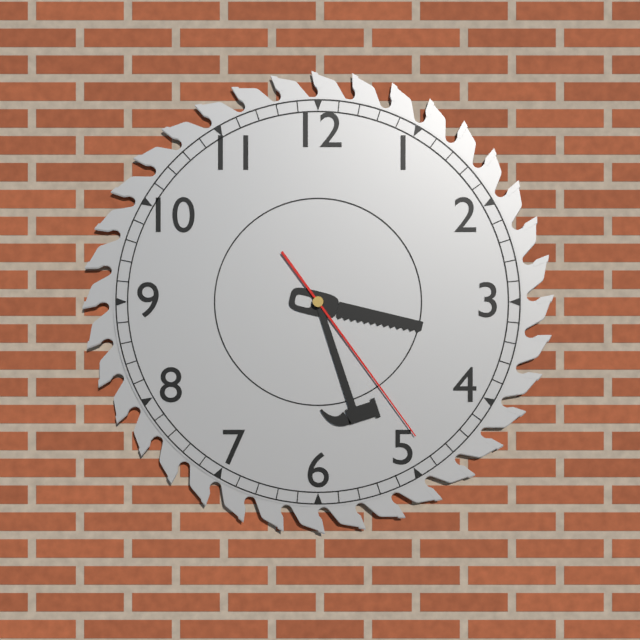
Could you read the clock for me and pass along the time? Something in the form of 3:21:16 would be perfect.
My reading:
3:27:24
